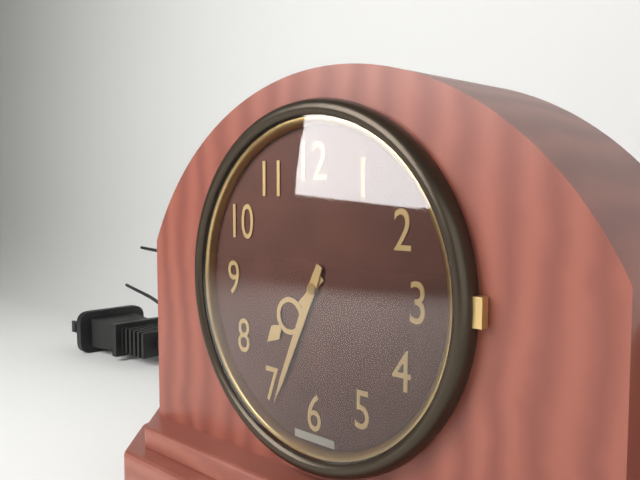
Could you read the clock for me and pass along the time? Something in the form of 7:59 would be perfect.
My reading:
7:34
